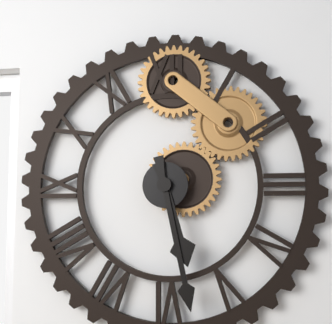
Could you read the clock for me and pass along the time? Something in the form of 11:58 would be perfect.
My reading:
5:28
